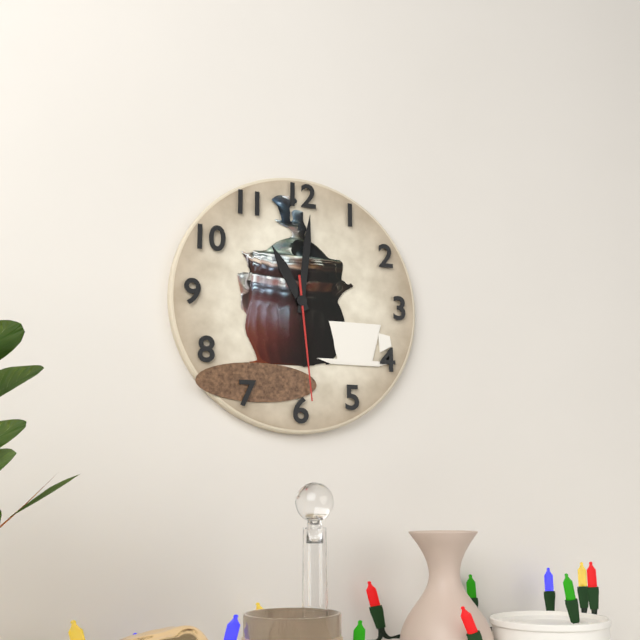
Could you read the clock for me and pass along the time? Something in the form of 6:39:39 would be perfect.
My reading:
11:01:29
